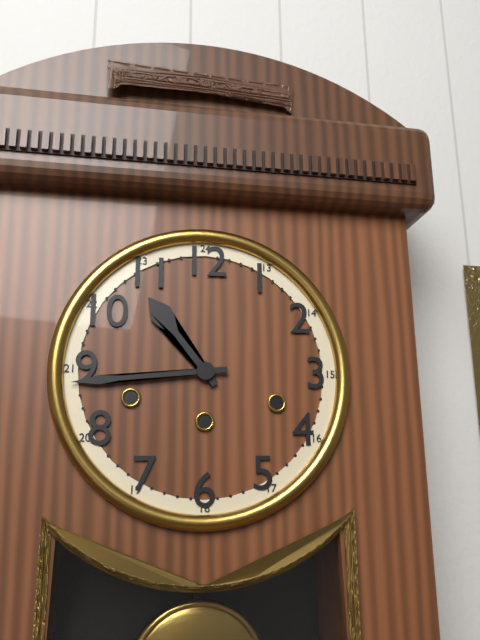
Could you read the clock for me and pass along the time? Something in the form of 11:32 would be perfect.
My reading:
10:44
